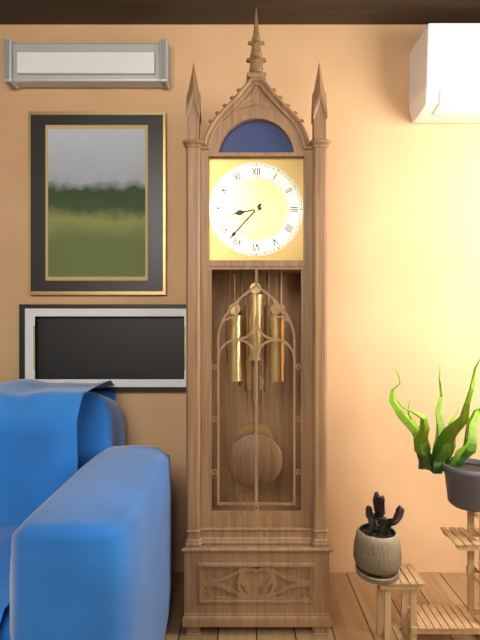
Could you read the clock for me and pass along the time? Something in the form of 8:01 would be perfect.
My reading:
8:37
